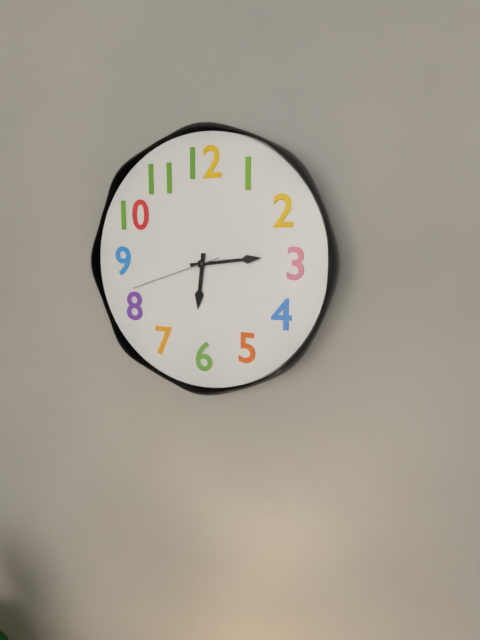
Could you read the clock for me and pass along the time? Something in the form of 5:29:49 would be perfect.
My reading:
6:14:42
